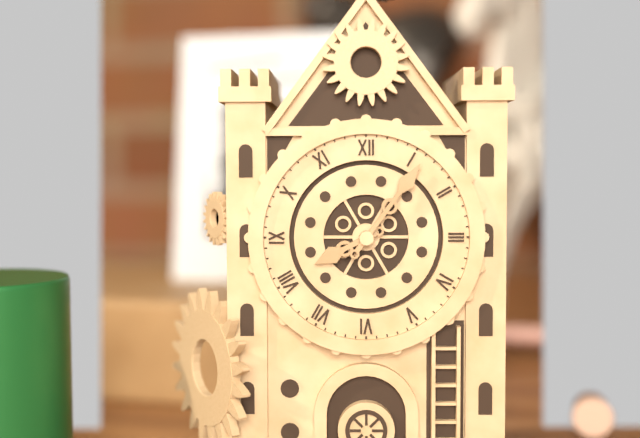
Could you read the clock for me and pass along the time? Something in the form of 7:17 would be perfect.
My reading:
8:06
